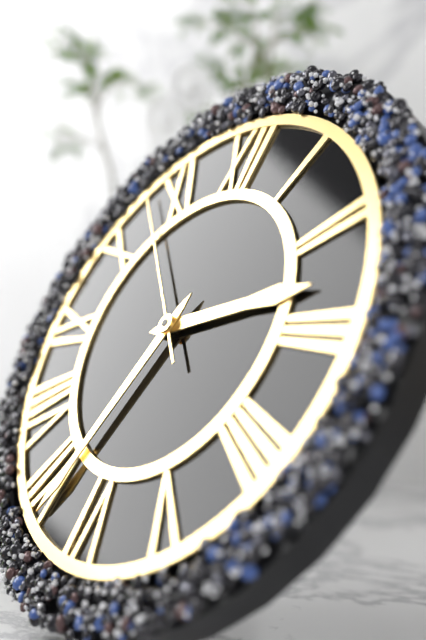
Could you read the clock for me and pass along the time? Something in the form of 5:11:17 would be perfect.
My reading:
2:34:53
